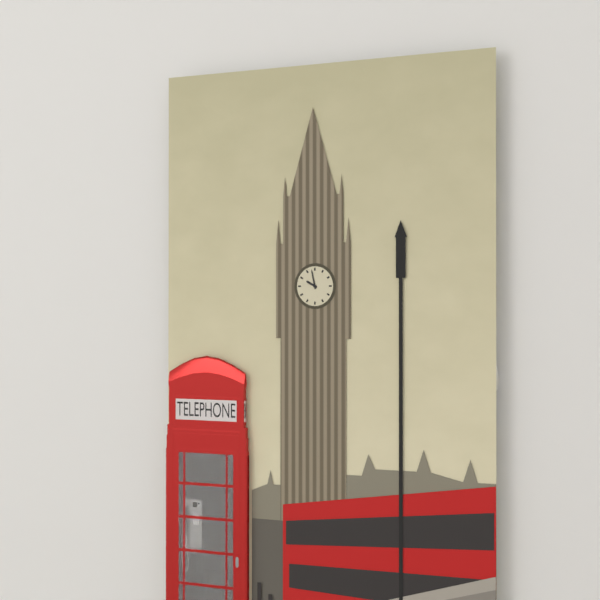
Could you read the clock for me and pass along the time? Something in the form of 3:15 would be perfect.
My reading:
9:58
